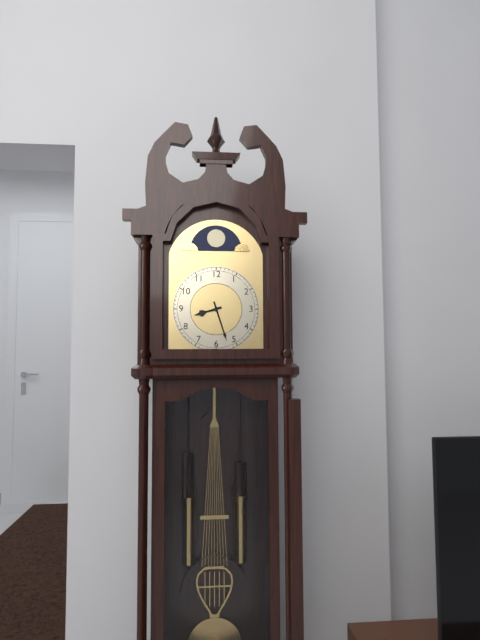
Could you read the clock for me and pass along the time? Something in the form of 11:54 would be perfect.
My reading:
8:27
